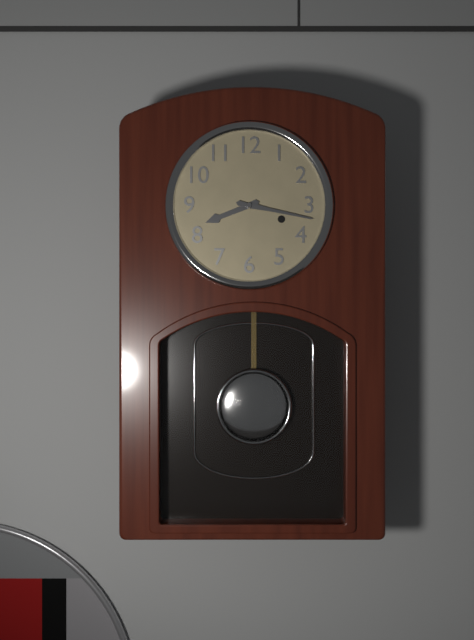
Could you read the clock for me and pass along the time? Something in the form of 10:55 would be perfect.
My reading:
8:17
